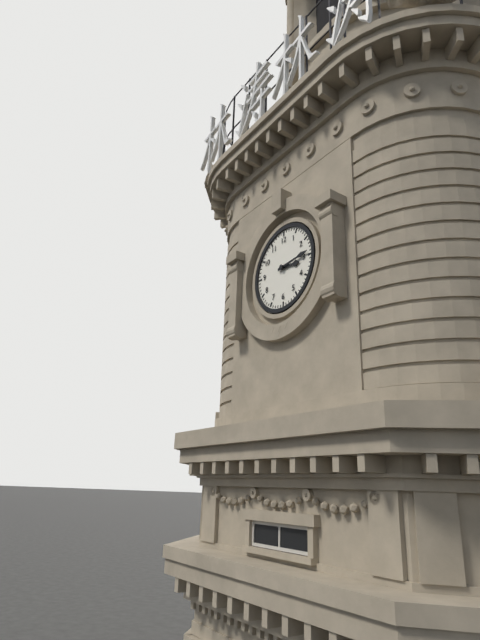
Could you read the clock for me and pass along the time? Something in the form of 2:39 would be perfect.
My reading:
3:14
